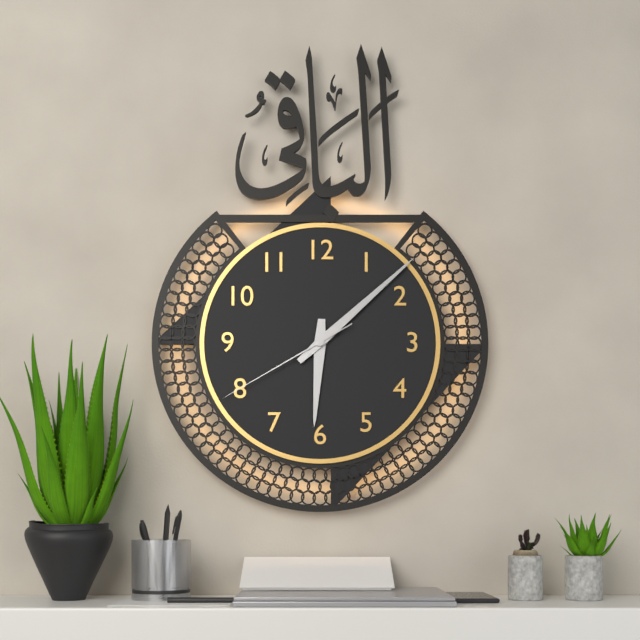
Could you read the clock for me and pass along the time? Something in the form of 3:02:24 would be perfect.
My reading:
6:08:40
